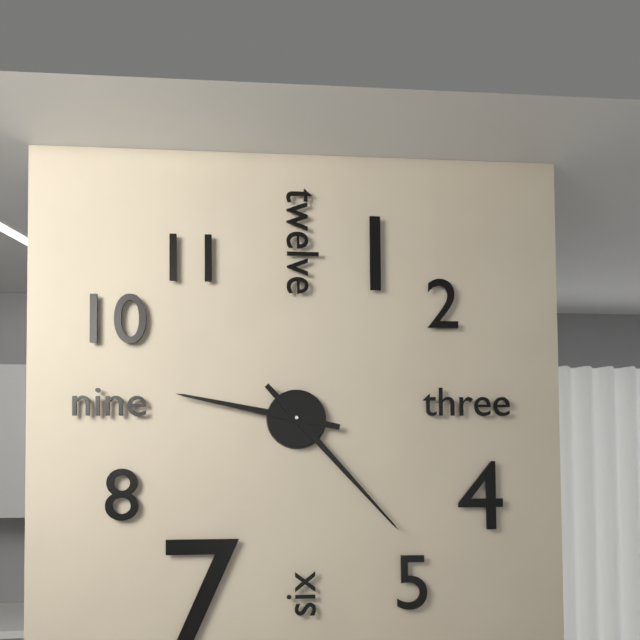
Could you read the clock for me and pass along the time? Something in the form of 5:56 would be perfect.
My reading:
9:23
